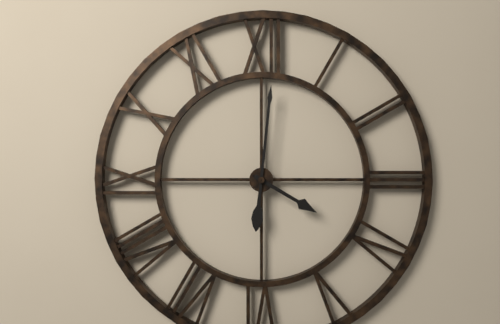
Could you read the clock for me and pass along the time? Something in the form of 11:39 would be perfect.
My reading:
4:01
